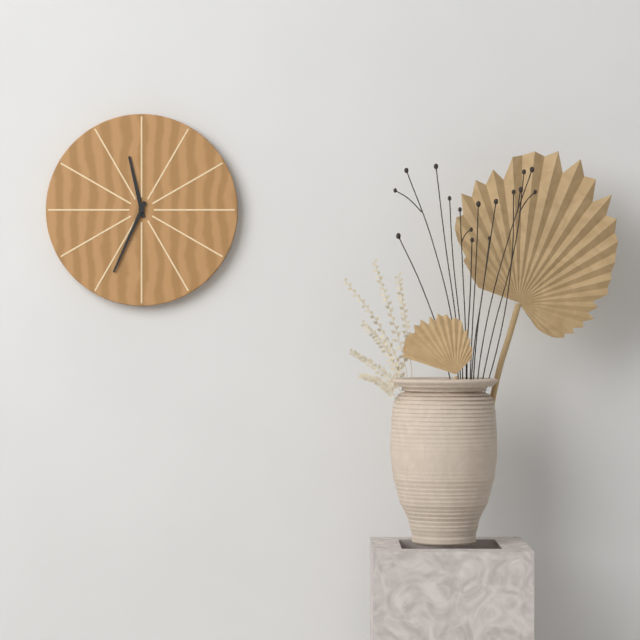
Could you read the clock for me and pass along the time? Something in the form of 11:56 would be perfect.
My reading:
11:34
